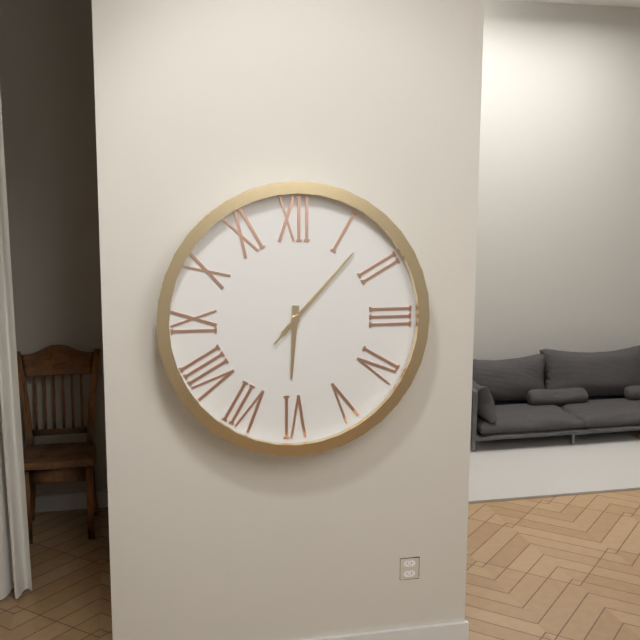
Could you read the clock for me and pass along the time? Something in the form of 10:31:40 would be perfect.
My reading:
6:07:07
